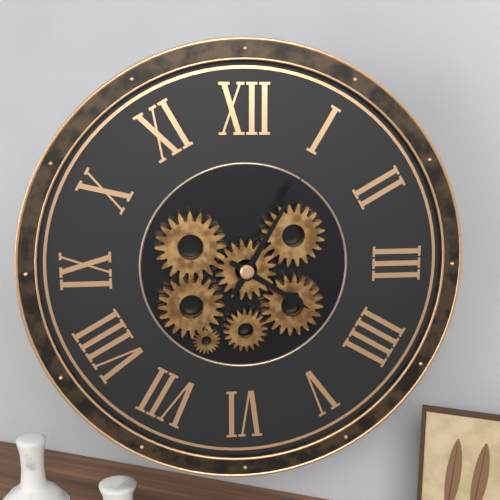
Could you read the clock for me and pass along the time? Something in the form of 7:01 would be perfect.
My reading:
4:05
